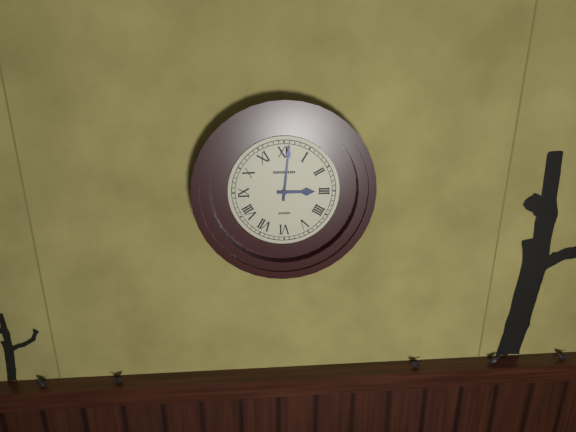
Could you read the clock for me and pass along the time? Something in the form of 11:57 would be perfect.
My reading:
3:01
